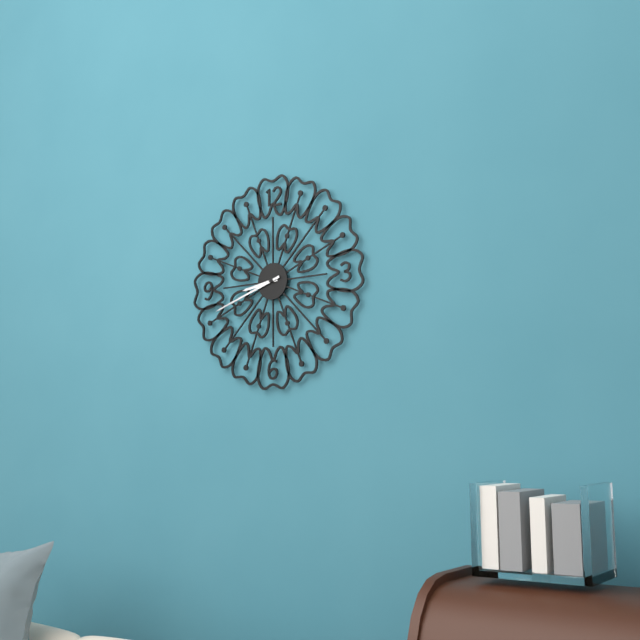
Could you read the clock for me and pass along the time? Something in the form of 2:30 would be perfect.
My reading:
8:42
